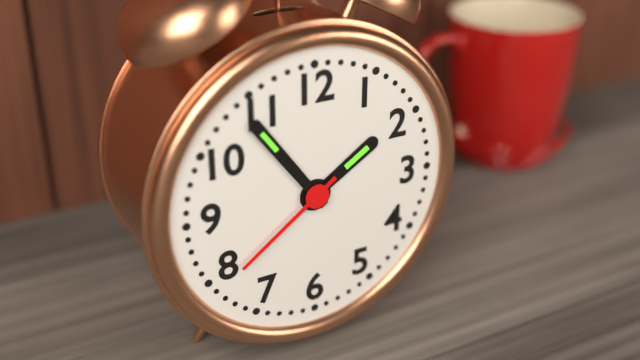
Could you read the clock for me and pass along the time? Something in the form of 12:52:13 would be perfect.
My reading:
1:54:39
